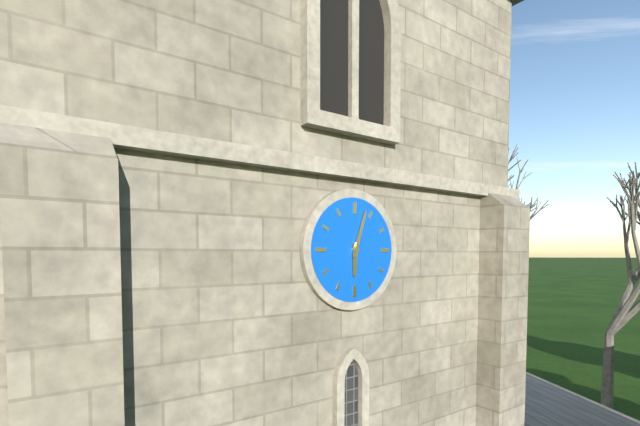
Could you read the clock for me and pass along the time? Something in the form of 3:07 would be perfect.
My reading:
6:03
